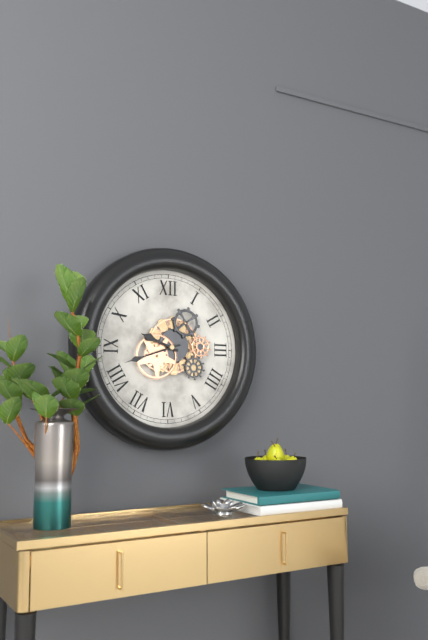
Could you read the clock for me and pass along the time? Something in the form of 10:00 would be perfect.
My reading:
9:42
